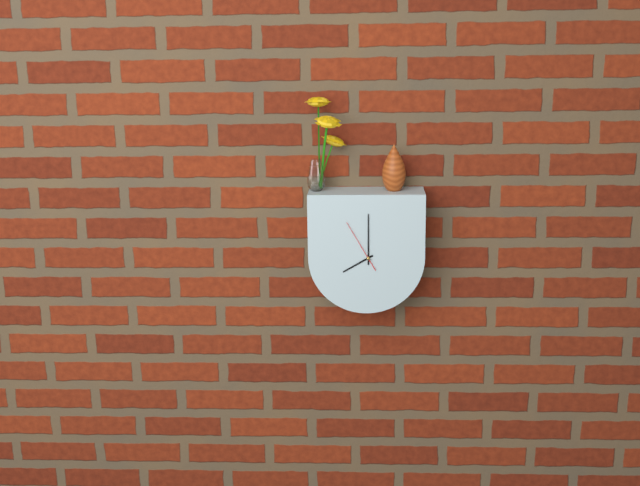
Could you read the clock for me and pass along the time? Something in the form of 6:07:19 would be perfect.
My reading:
8:00:55
